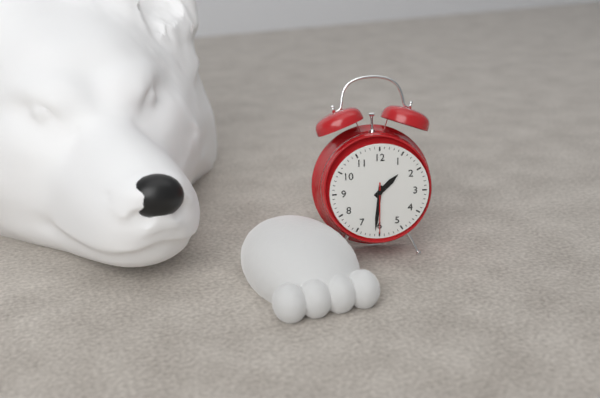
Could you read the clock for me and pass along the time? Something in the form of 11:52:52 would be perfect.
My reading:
1:31:30
